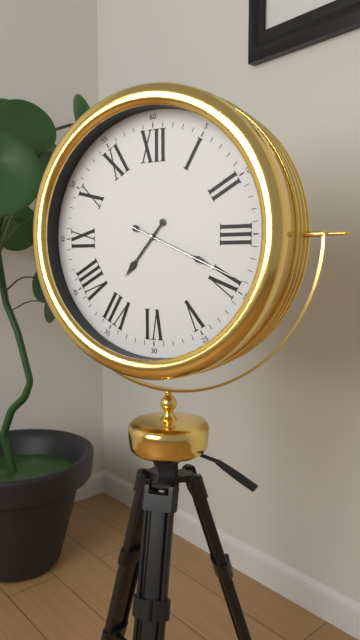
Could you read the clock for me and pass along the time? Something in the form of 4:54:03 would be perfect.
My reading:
7:19:19
